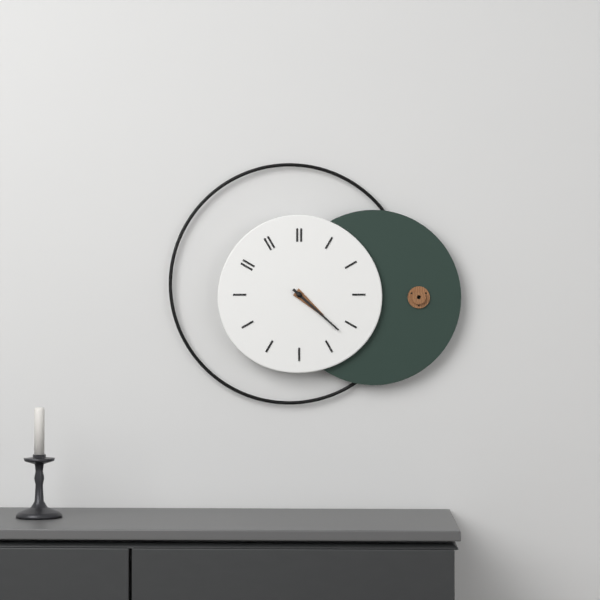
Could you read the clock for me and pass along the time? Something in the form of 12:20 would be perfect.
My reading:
4:22
